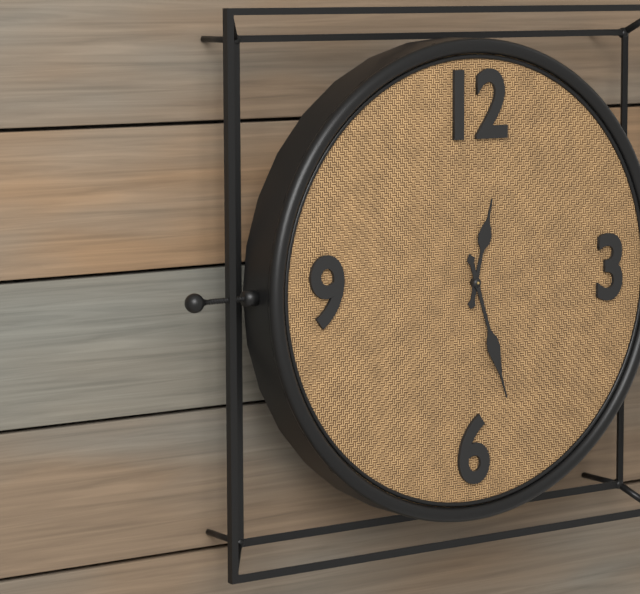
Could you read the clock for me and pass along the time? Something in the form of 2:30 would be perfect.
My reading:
12:27
